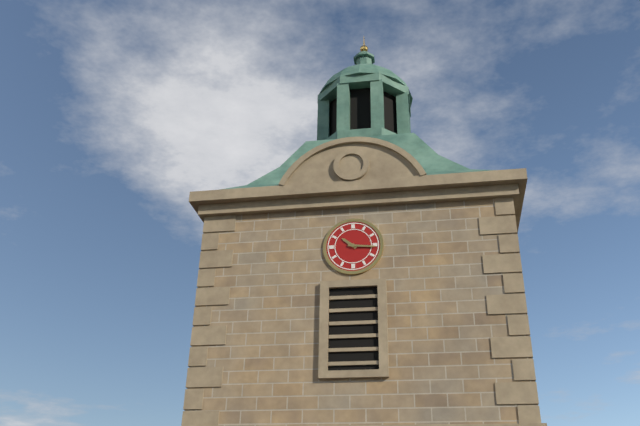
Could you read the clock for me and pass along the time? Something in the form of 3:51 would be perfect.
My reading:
10:16
